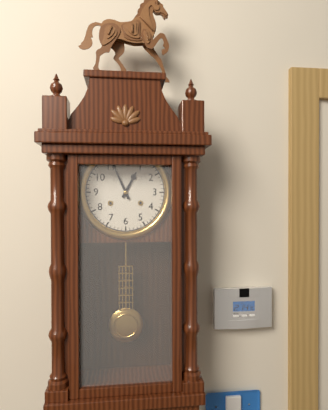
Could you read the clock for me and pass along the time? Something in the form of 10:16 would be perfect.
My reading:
12:56
